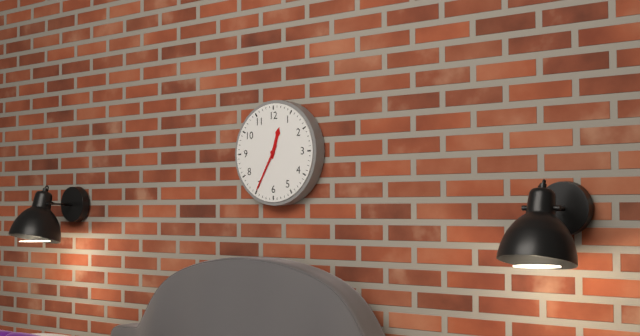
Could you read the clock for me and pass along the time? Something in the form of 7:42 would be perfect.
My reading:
12:35
